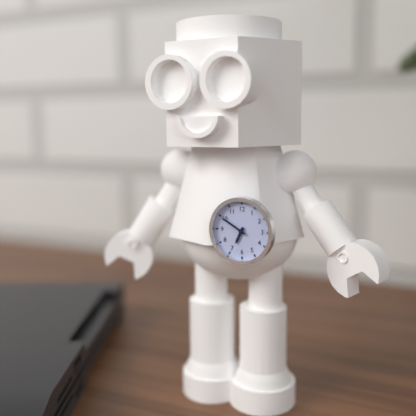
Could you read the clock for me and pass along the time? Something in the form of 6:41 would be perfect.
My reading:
6:50
